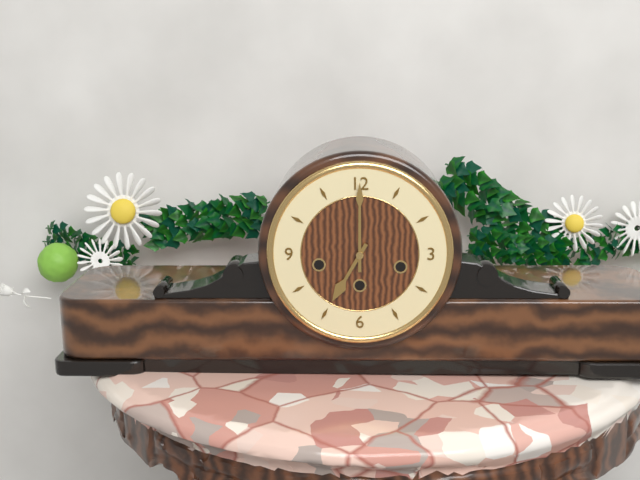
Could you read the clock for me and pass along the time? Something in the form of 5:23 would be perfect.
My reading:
7:00
